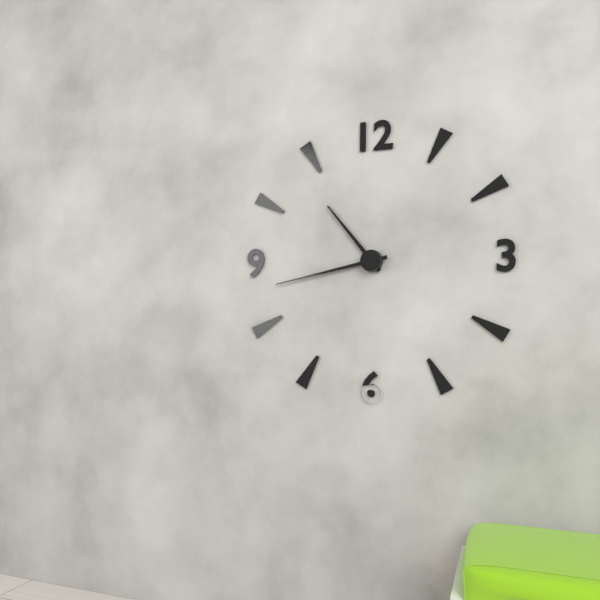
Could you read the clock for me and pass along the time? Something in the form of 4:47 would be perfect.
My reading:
10:43
